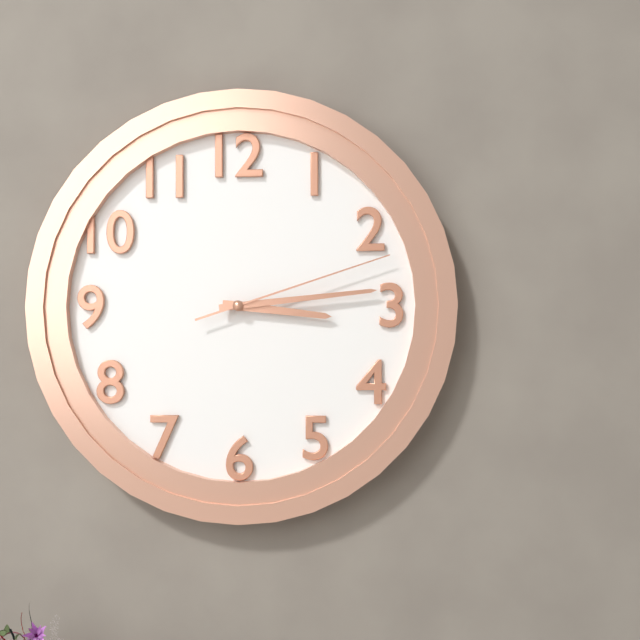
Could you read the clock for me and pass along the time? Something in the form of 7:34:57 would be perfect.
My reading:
3:14:12
